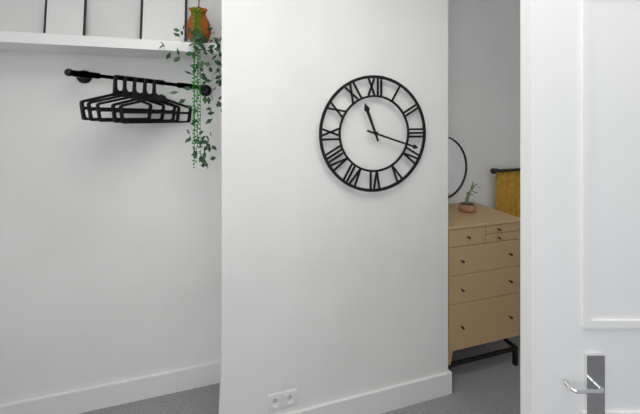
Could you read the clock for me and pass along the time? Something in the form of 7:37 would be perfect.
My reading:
11:18
